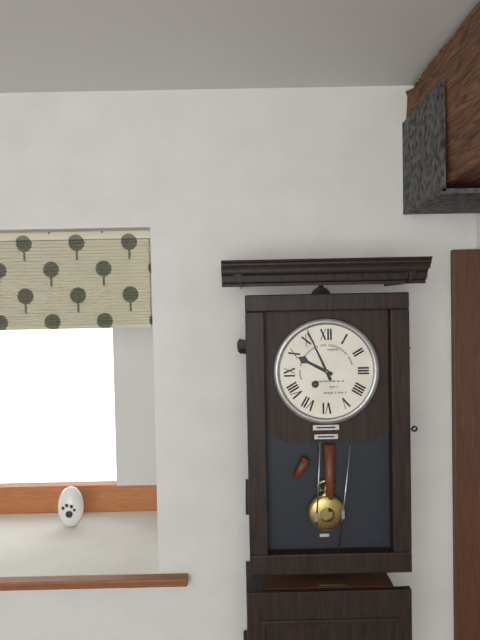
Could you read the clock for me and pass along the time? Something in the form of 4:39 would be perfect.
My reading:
9:56
